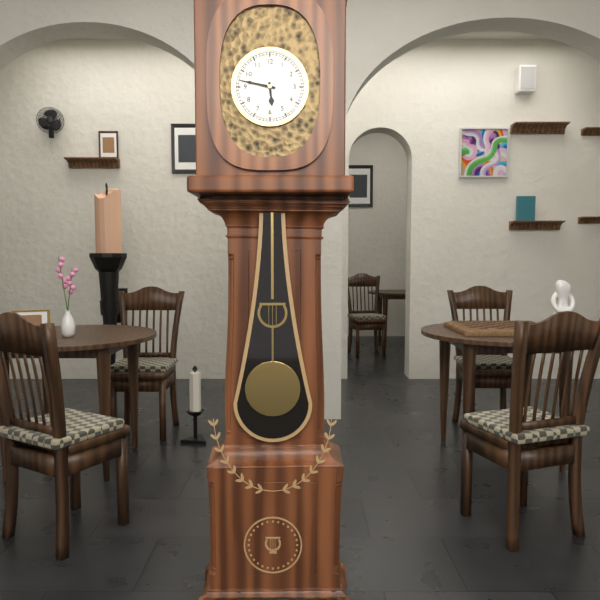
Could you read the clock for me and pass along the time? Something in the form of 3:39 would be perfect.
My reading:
5:47
